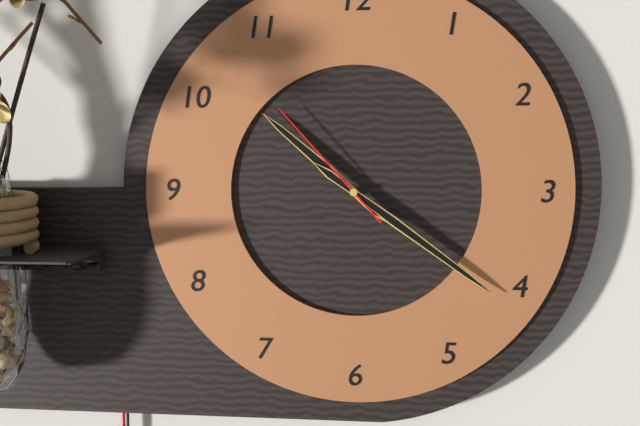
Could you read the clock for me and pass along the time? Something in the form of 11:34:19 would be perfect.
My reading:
10:21:53
